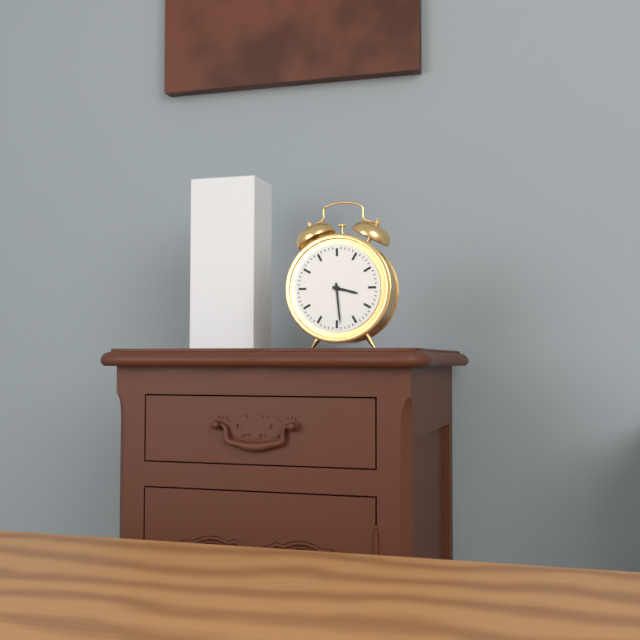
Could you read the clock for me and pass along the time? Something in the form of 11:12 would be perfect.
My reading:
3:29
